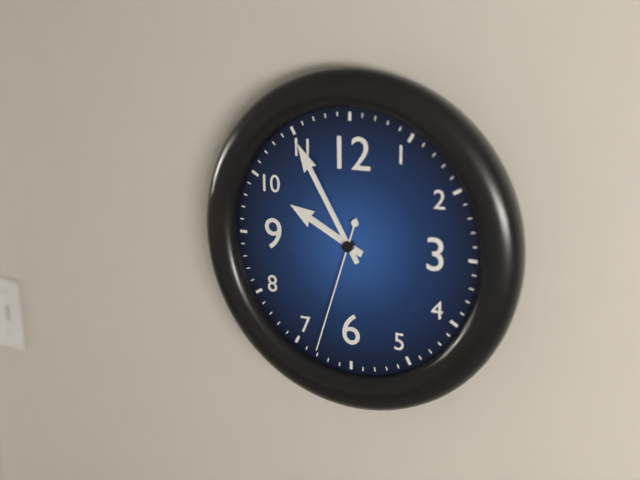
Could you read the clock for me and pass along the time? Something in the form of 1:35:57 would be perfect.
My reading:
9:55:33
